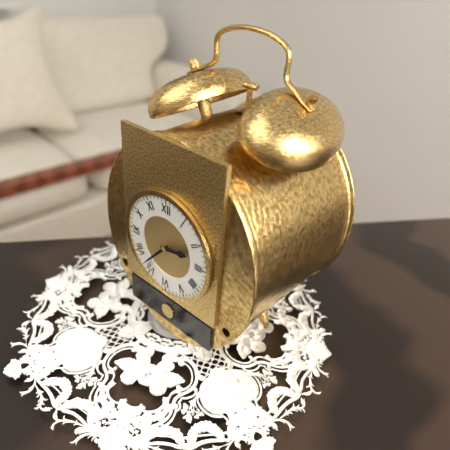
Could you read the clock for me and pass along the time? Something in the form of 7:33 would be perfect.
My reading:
2:37
